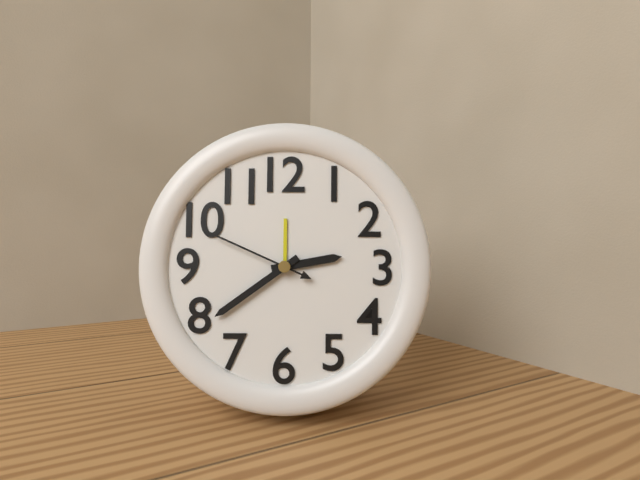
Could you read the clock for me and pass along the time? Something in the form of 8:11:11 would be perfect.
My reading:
2:39:49
